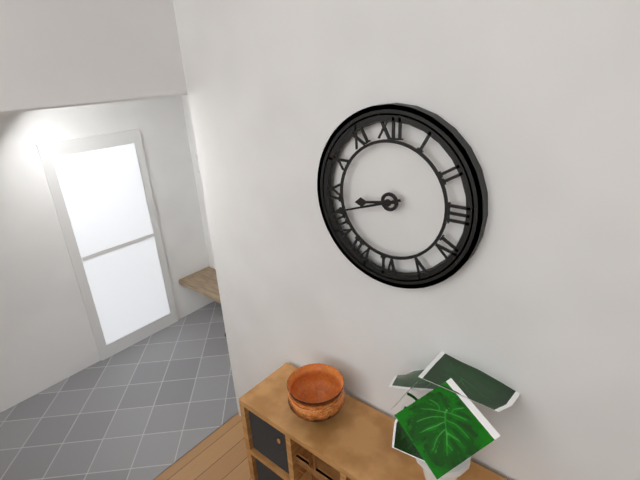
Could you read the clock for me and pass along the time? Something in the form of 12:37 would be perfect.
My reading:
8:42
